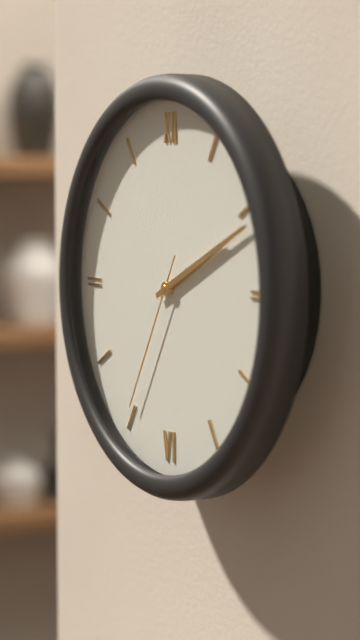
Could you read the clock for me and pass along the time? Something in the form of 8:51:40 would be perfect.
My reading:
2:11:35
